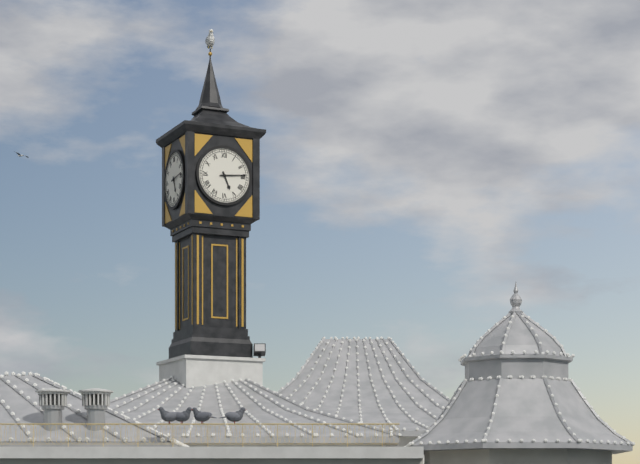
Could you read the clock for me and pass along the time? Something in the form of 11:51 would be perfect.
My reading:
5:14
